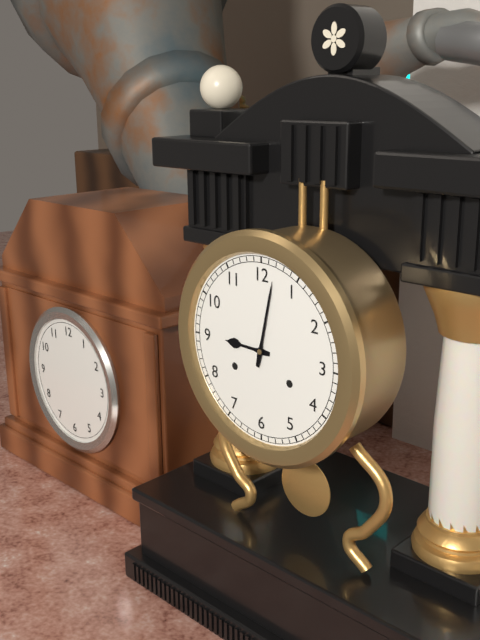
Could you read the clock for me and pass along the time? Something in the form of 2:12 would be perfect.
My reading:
9:02
